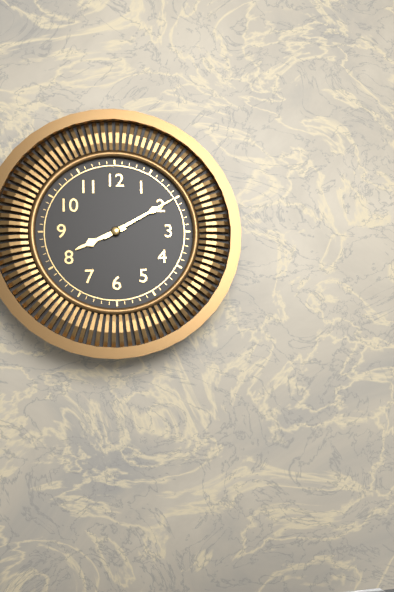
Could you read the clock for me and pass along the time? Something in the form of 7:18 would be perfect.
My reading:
8:10
